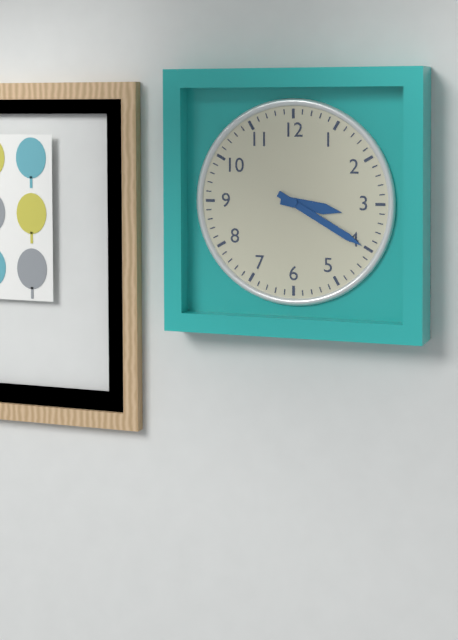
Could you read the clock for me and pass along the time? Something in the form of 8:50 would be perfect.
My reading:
3:20
